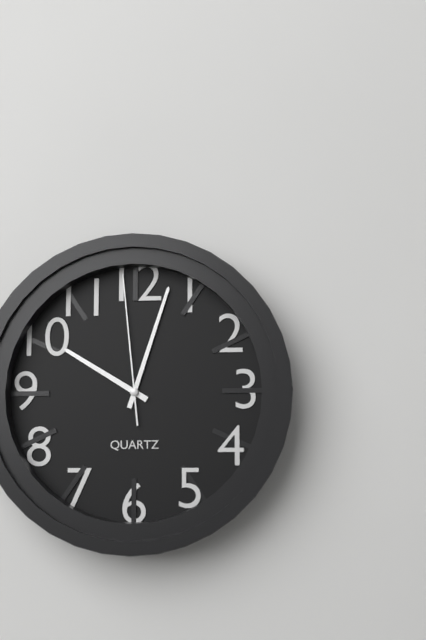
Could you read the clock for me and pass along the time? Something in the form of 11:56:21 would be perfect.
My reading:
10:03:59
